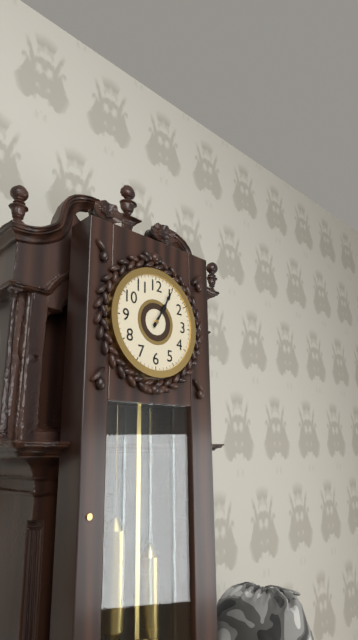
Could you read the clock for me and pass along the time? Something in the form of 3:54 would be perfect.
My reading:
1:05
